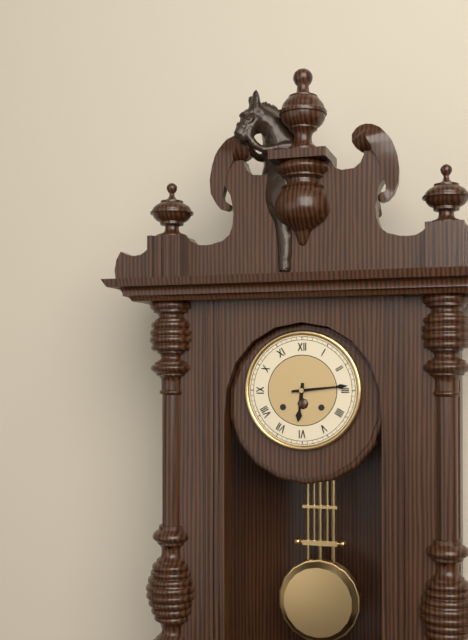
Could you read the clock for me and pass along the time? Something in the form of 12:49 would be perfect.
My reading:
6:14
